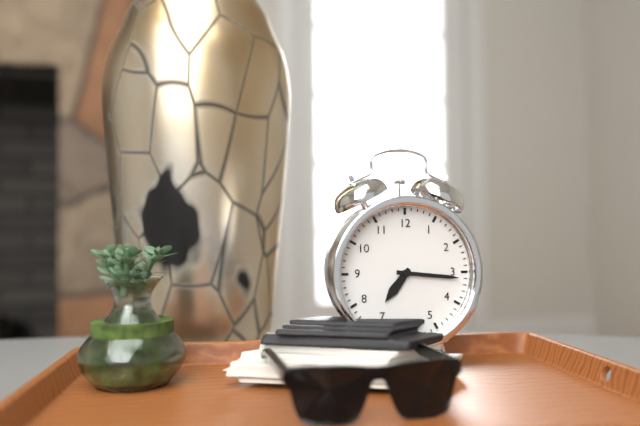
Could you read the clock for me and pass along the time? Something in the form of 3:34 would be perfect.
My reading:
7:16
